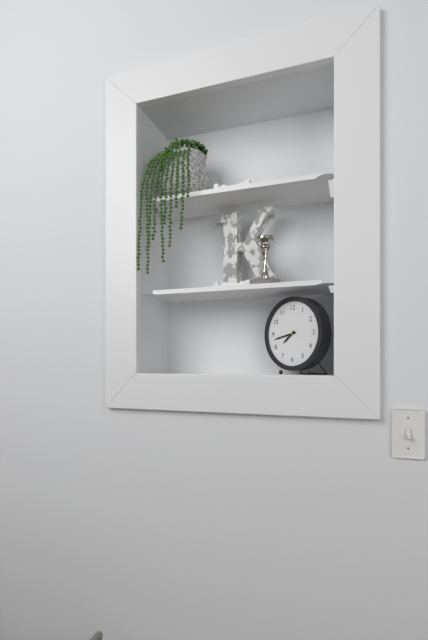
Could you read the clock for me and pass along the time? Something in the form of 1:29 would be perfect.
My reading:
7:43
